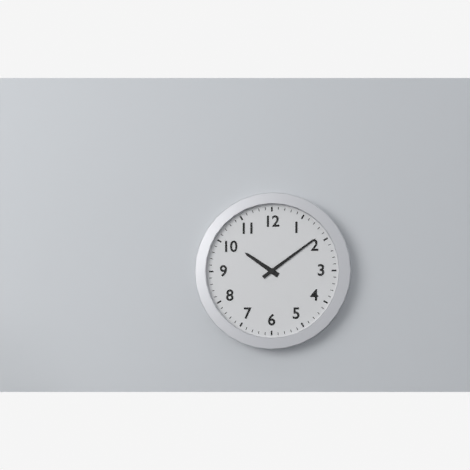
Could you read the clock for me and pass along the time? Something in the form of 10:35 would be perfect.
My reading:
10:09
